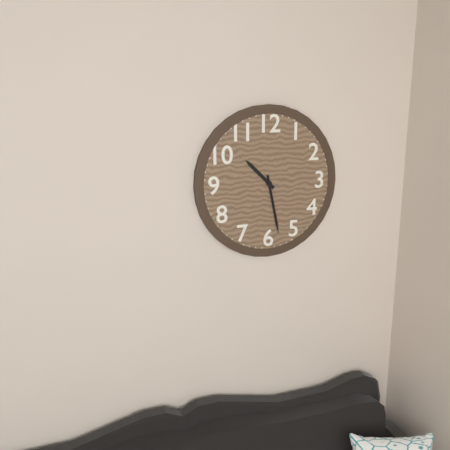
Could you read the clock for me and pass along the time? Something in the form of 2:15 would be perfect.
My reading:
10:28
